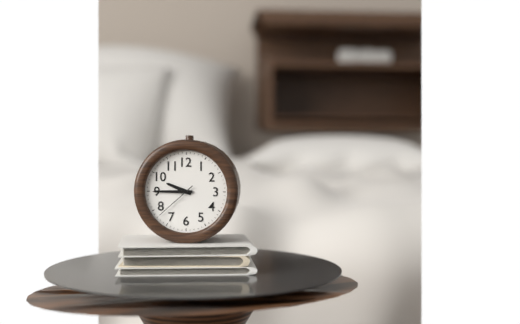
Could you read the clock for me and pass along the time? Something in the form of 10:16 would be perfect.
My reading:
9:45
